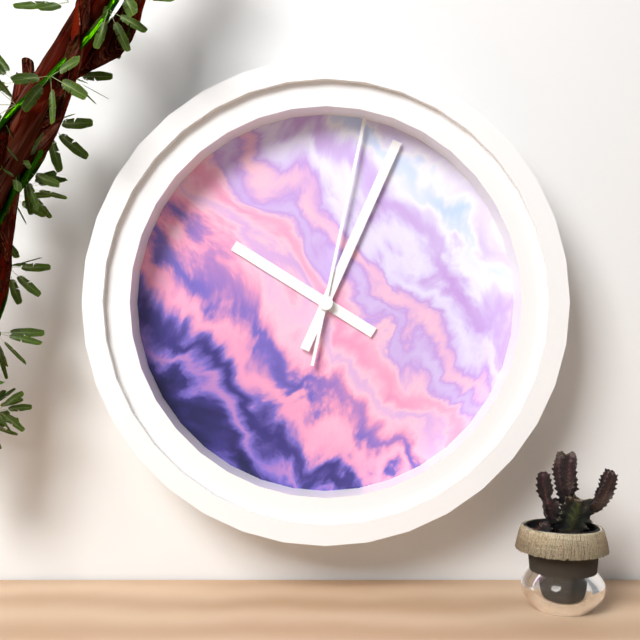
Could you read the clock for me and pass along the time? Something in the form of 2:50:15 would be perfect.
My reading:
10:04:02
